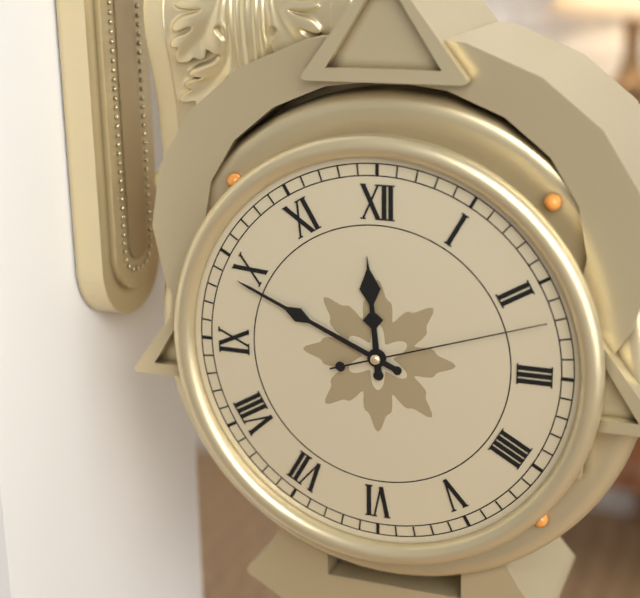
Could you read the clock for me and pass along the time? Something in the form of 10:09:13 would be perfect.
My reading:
11:49:12
